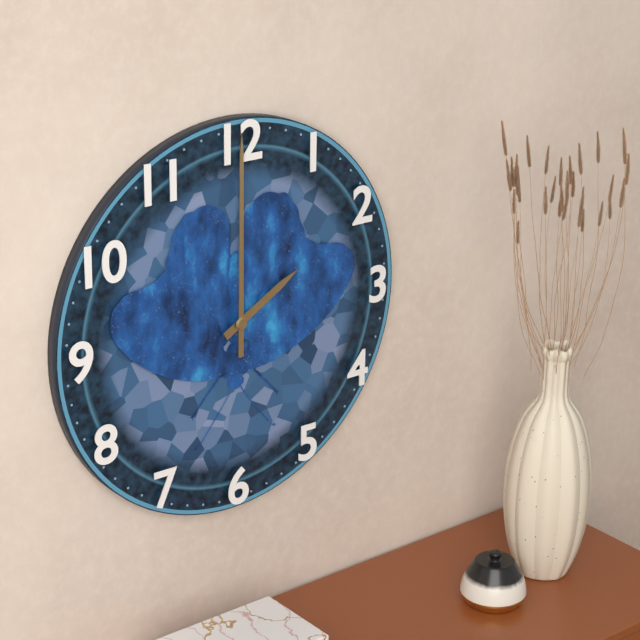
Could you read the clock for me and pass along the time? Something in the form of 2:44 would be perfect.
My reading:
2:00
